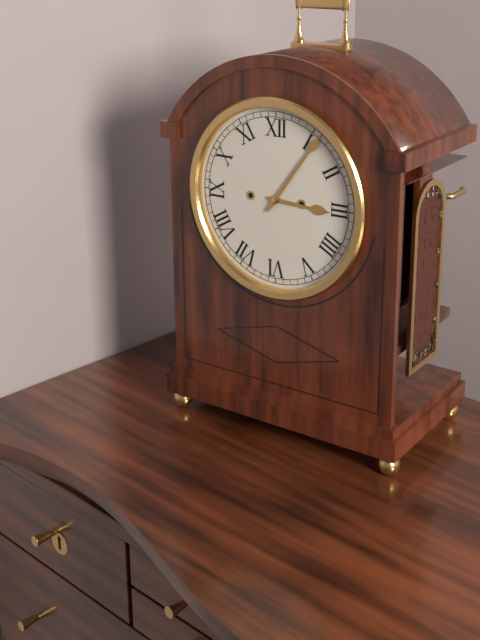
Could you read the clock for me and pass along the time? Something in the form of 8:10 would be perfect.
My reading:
3:06
